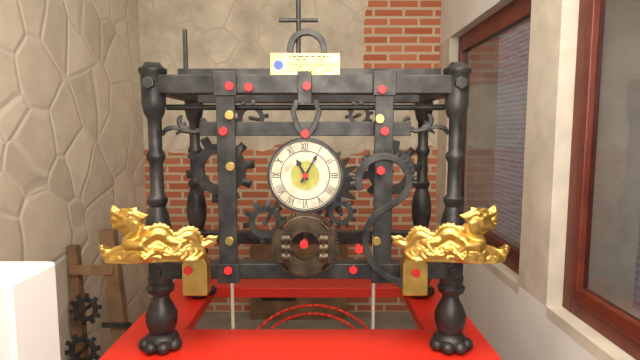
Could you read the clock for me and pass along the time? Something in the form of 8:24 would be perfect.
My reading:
11:05
